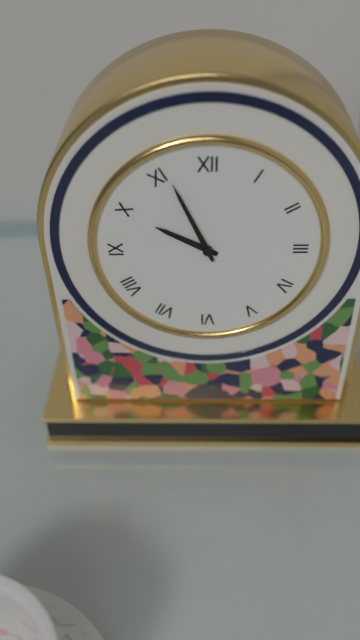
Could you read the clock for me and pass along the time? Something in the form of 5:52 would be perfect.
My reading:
9:56
